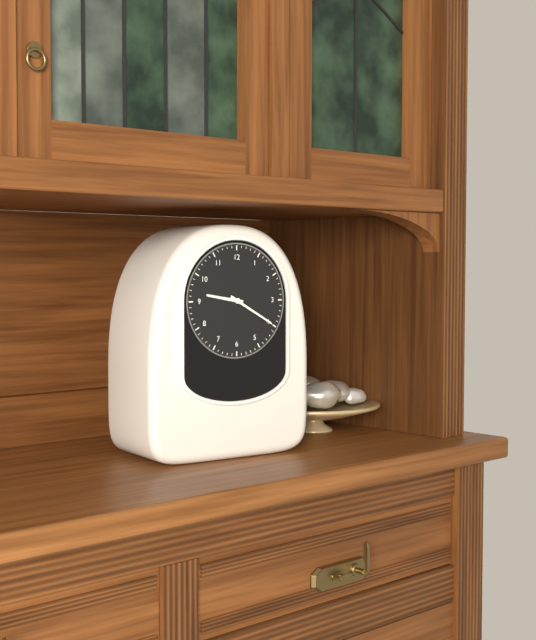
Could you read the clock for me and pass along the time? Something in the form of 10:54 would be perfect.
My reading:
9:20
